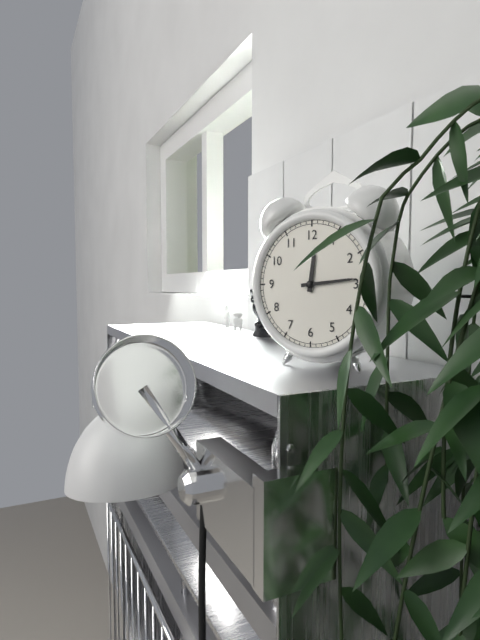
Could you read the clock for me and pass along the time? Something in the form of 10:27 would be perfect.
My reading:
12:14
